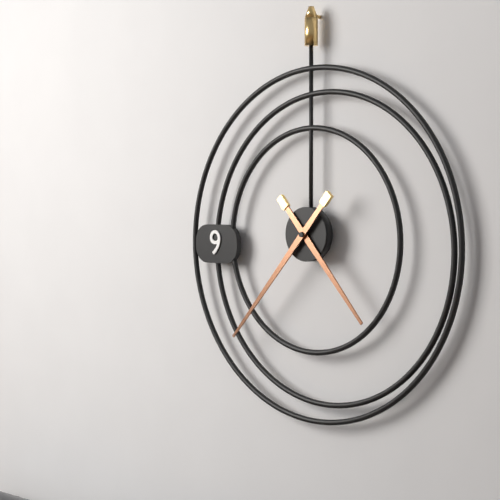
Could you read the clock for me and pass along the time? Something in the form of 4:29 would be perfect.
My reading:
4:37
